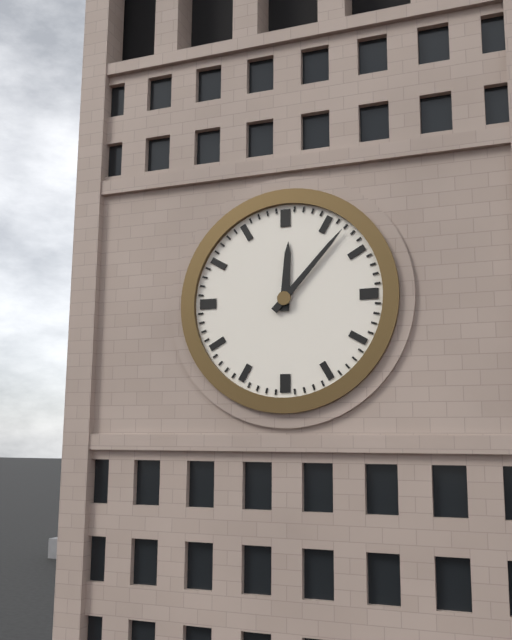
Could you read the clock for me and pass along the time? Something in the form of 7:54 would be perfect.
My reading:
12:07
